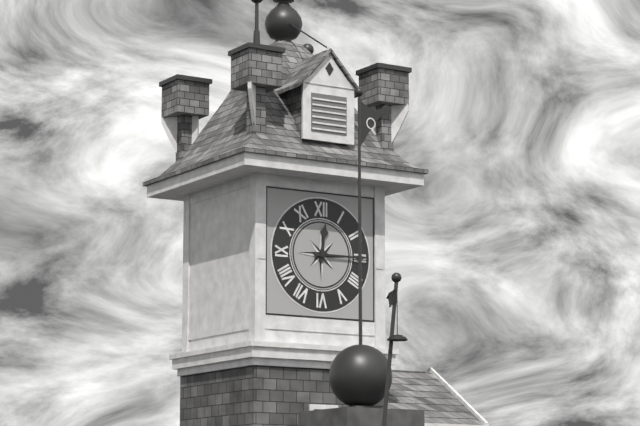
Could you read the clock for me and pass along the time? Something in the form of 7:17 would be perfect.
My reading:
12:15
